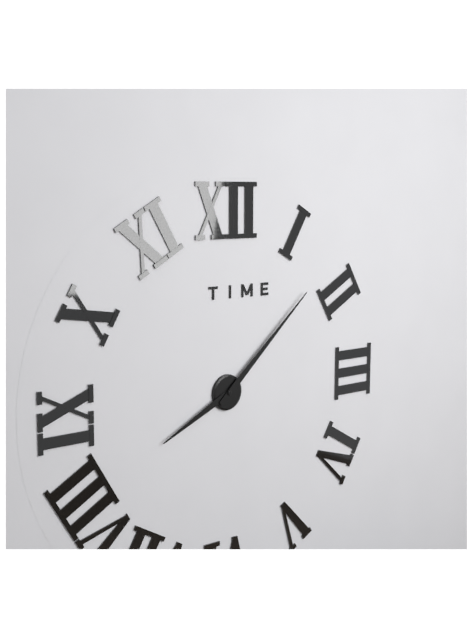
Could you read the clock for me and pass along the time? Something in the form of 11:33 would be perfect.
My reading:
8:08
